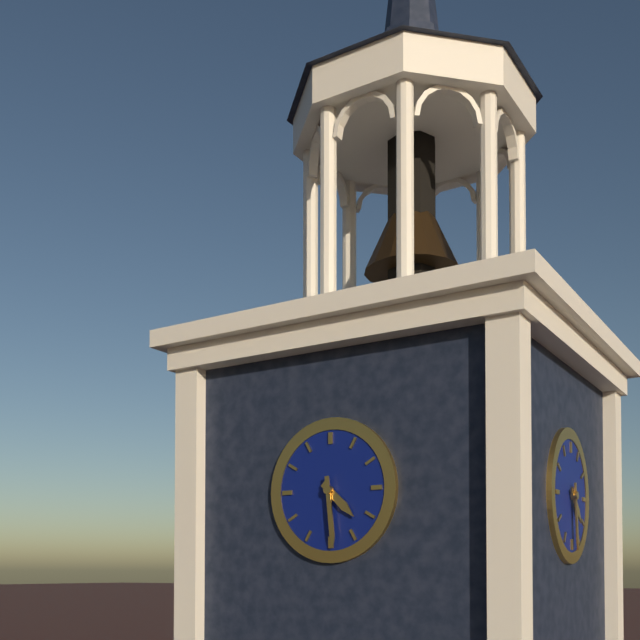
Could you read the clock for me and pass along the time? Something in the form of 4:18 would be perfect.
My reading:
4:29
